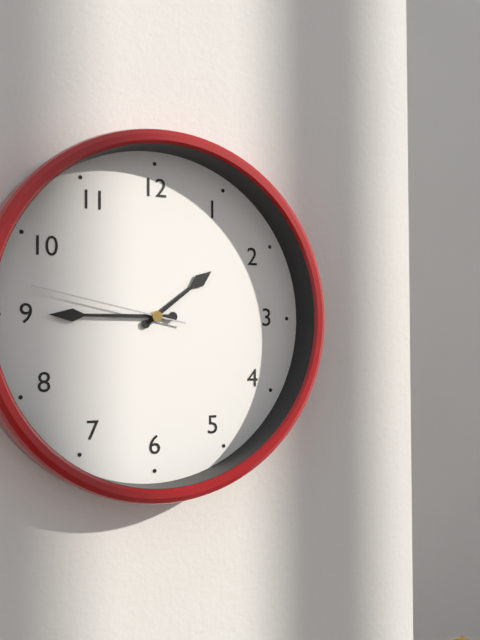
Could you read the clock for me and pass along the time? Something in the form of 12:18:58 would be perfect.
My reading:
1:45:47
